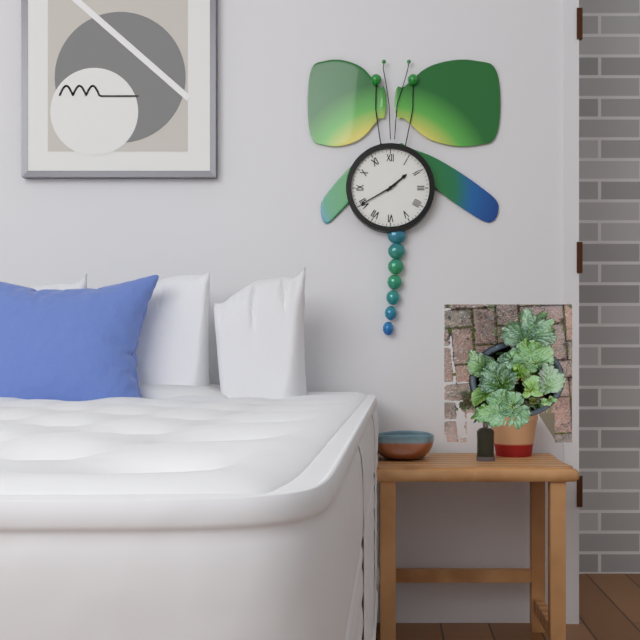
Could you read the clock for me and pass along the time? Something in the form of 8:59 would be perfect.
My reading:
1:40
